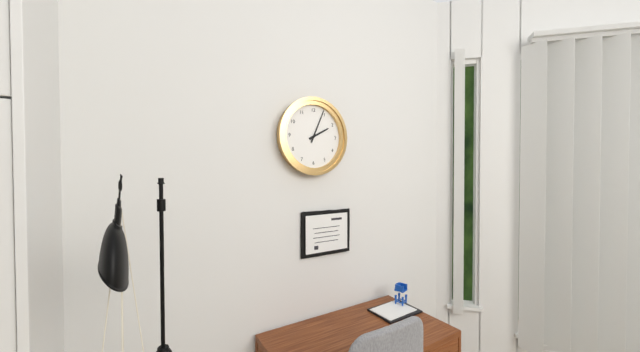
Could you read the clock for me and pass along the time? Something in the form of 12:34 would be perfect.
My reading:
2:04
